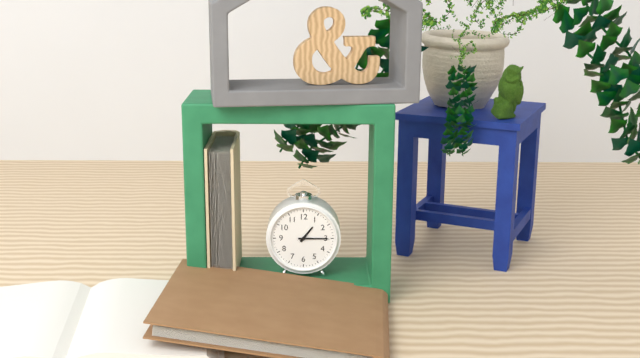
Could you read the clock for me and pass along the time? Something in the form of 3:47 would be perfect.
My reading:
1:15
